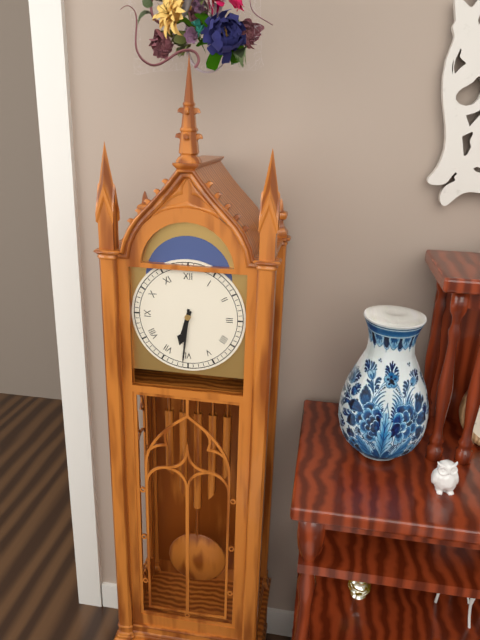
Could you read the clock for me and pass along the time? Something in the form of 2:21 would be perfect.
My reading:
6:31
